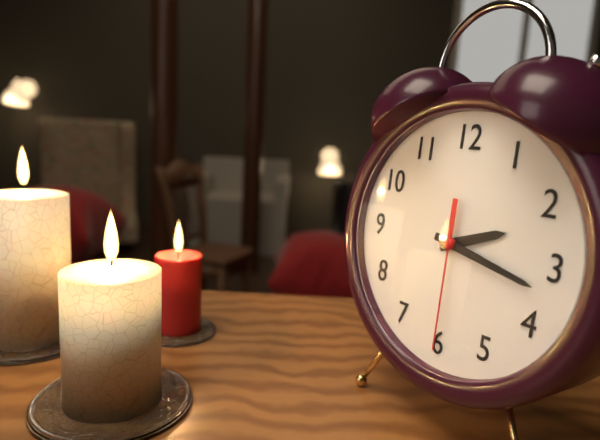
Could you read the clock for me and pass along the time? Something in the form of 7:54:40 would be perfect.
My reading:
2:17:30
